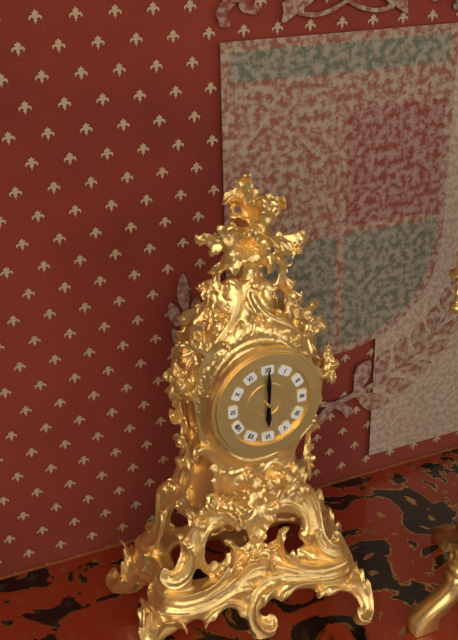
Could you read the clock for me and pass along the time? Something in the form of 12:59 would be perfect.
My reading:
6:00
